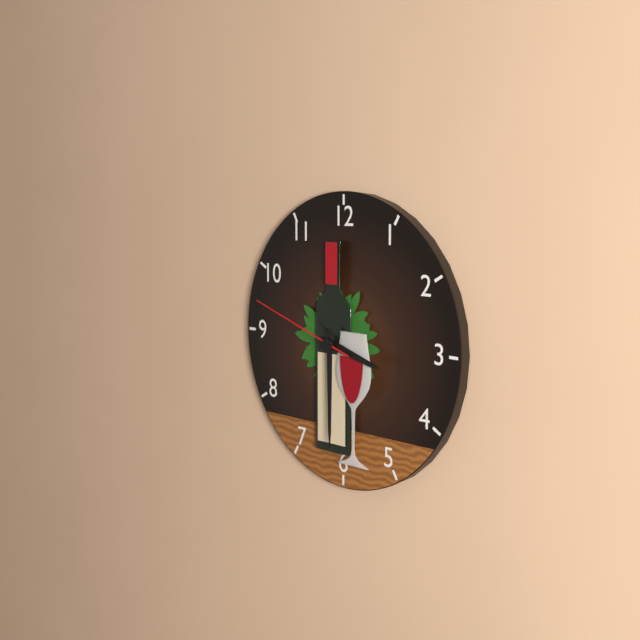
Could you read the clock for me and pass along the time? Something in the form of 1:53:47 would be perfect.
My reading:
3:30:48
